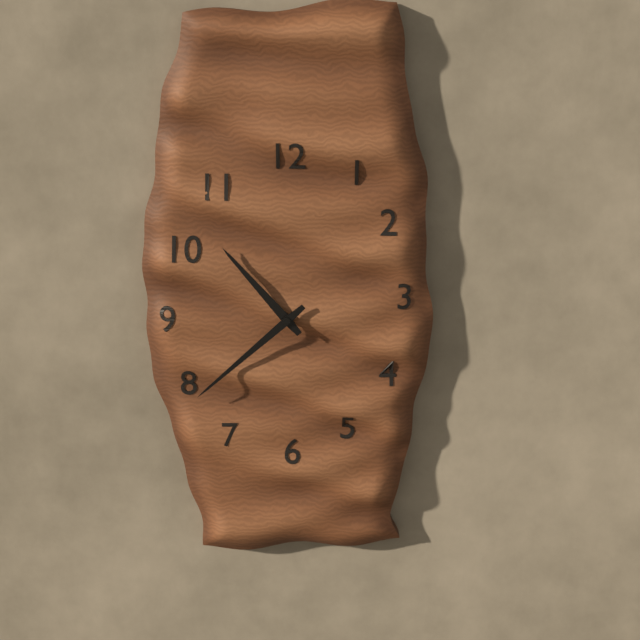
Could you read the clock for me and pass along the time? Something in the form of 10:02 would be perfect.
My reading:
10:38
